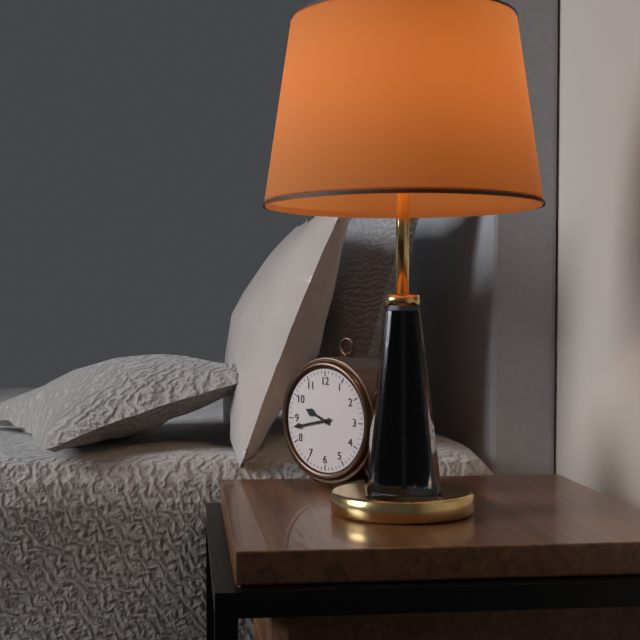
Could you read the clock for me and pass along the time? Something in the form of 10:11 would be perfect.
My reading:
9:43
